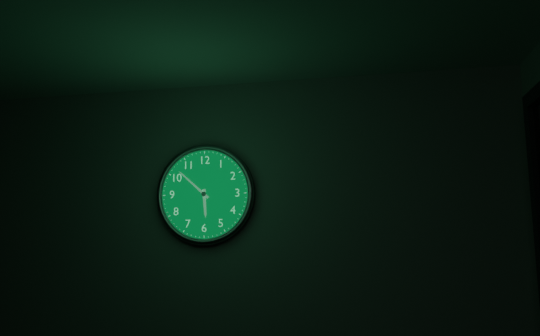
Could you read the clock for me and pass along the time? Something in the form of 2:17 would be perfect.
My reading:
5:52
